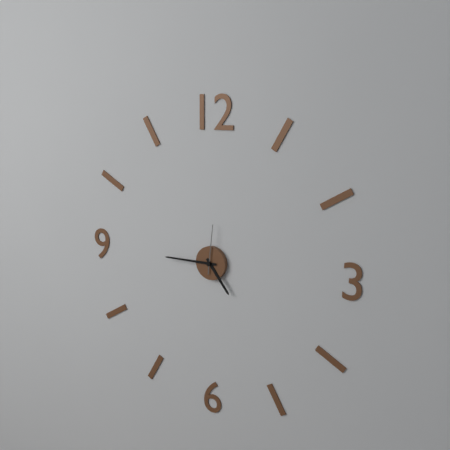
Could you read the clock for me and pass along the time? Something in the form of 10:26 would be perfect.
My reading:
4:45
